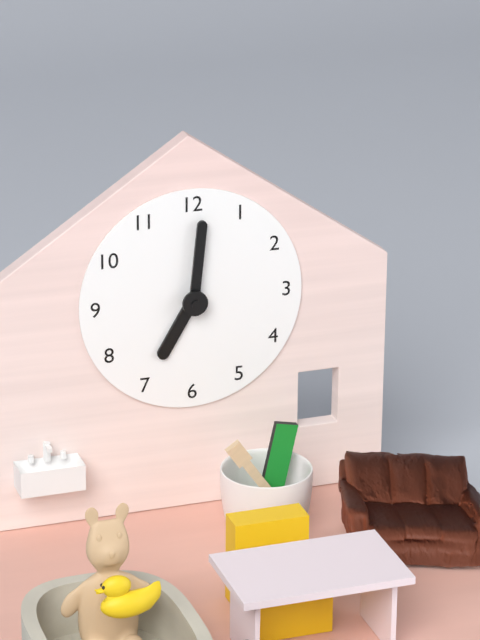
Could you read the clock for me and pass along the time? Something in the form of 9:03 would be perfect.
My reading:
7:01
